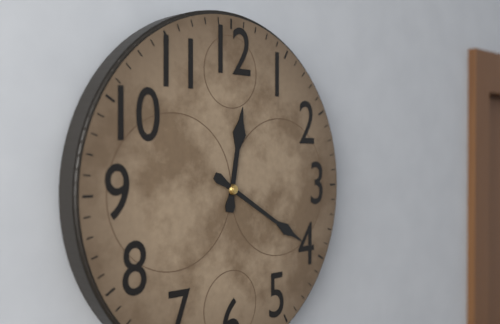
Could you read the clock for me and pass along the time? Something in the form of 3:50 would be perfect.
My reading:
12:20
